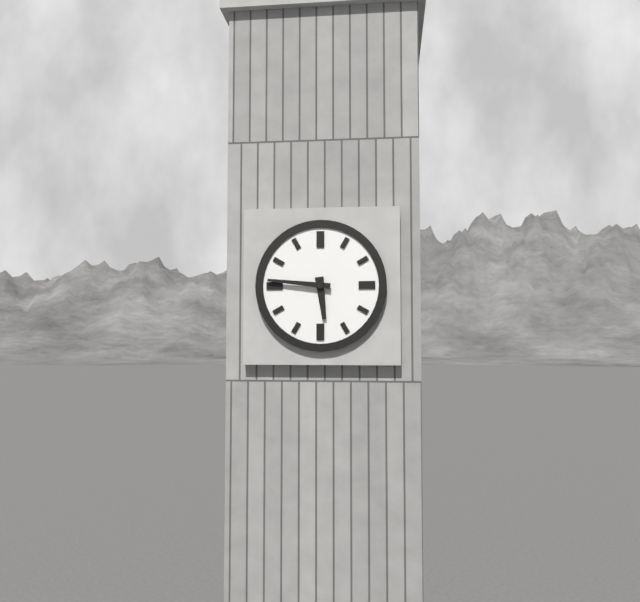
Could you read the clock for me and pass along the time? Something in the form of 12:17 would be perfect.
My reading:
5:46
